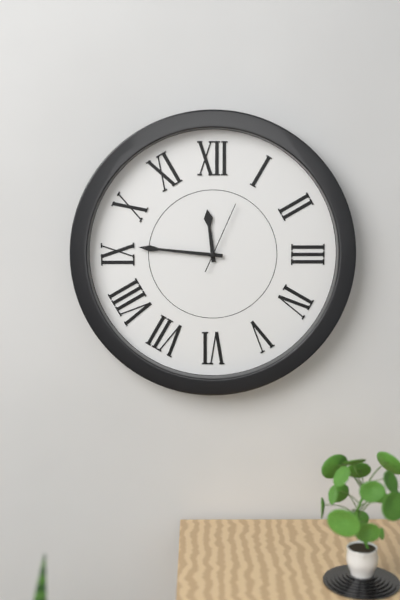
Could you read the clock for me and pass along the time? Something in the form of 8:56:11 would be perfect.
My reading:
11:46:04
